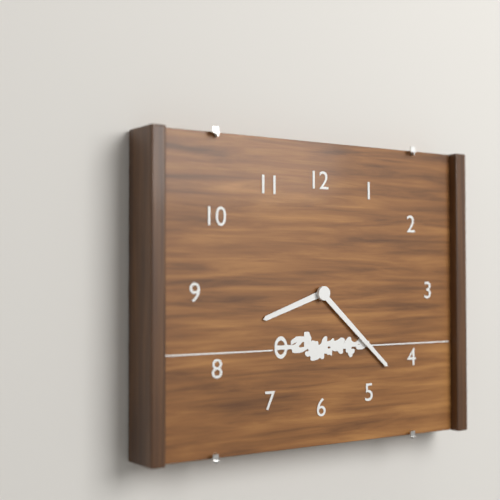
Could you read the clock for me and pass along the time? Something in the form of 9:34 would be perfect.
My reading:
8:22
